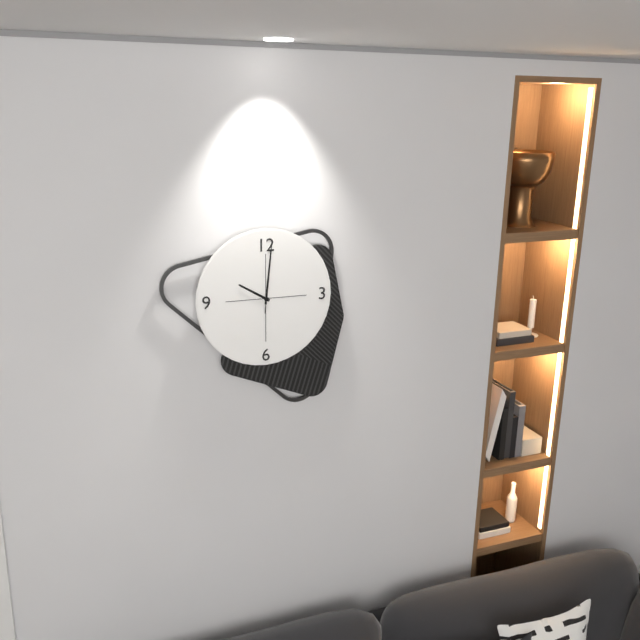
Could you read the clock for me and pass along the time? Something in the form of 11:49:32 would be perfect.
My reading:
10:01:01
